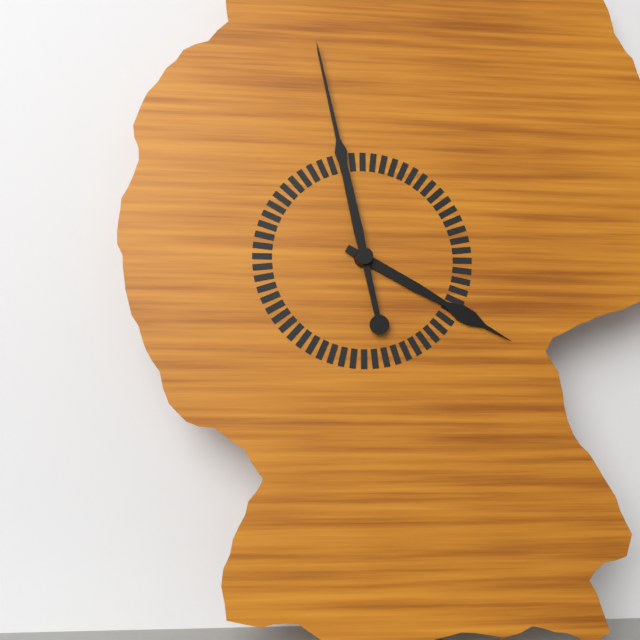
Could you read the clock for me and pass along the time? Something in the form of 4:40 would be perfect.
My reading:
3:58
